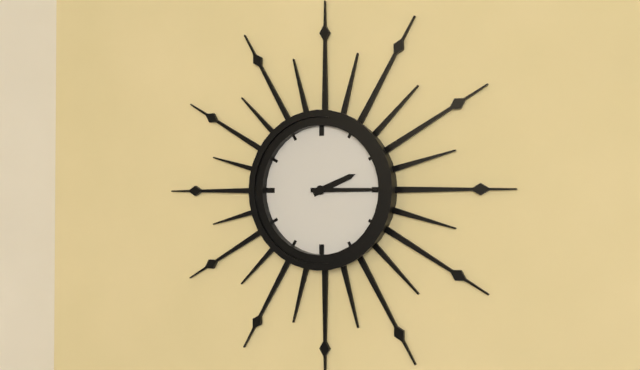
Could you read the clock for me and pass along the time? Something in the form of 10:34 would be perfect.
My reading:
2:15
